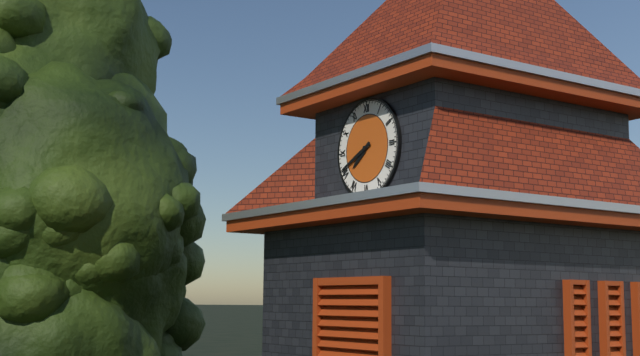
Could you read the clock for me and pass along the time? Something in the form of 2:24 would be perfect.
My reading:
7:41
